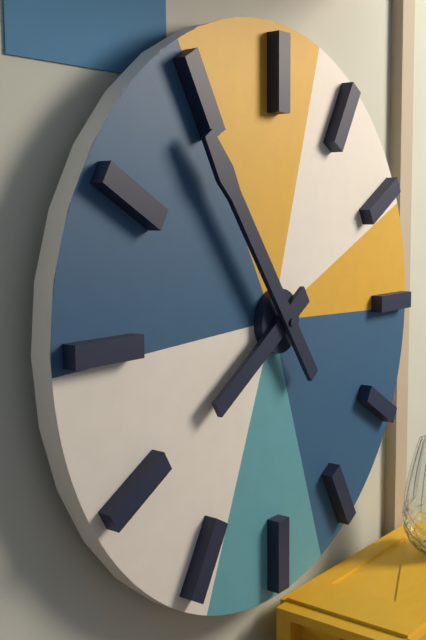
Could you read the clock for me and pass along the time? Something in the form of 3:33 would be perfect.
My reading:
7:54
